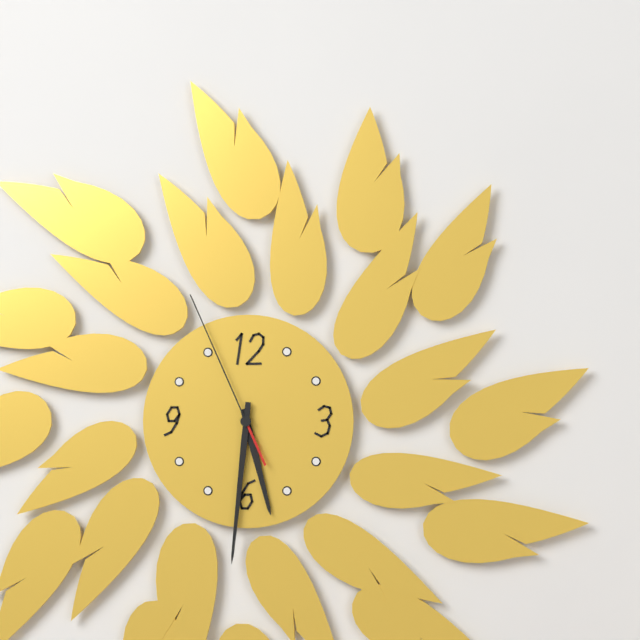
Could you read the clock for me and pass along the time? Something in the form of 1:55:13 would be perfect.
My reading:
5:31:56
